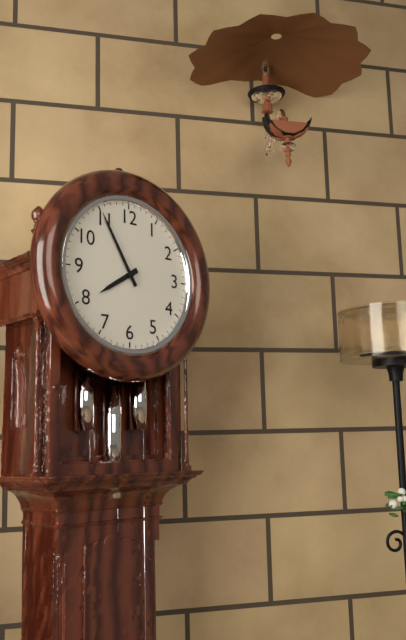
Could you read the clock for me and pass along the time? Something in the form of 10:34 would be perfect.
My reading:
7:55
